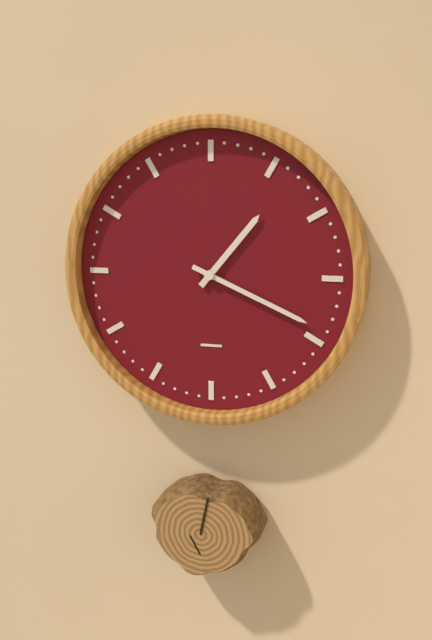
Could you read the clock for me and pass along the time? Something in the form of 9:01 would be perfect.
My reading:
1:19
